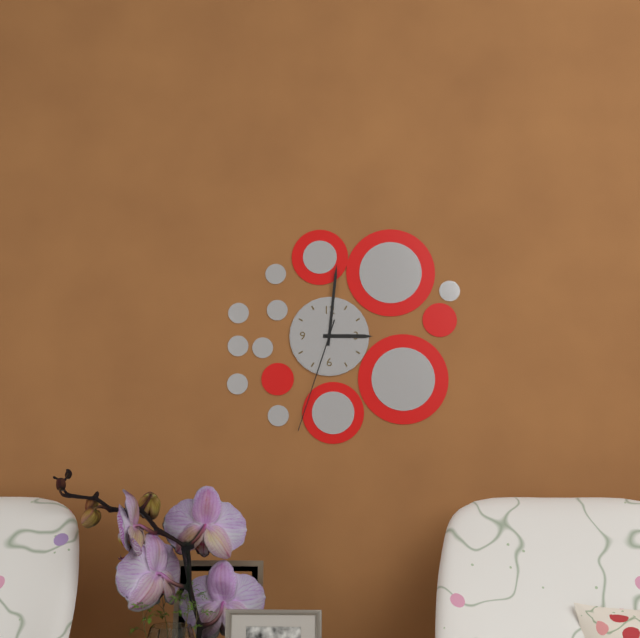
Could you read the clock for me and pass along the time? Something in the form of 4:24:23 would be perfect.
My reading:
3:01:33
